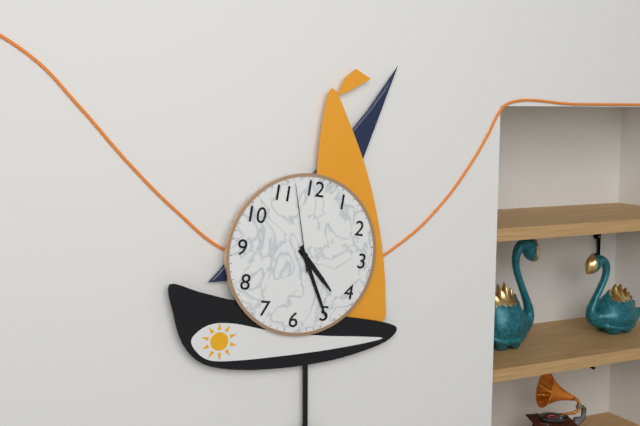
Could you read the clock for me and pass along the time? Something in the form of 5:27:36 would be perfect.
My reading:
4:25:57
